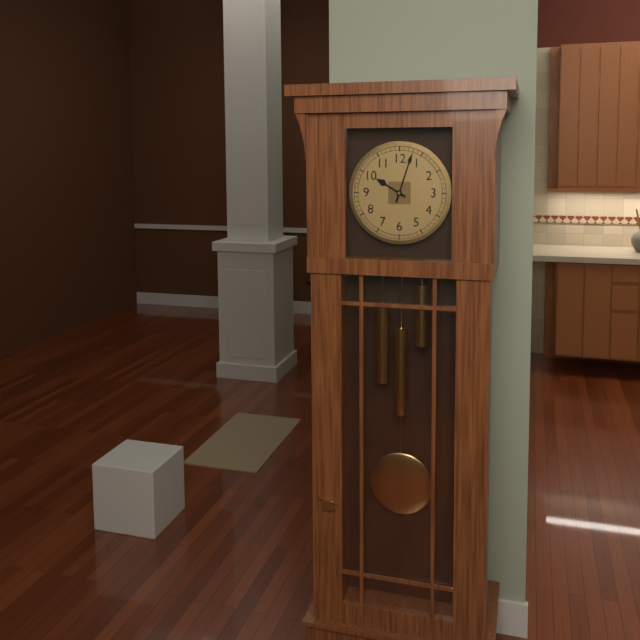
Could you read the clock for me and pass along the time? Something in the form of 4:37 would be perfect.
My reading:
10:03
